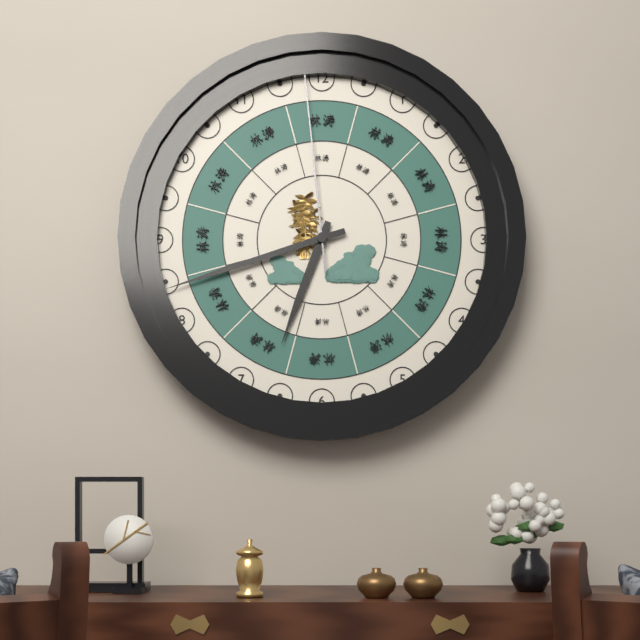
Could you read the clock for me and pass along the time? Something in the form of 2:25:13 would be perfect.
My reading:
6:42:59
